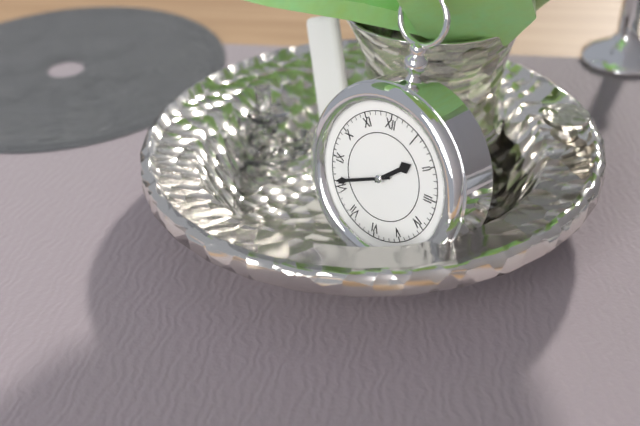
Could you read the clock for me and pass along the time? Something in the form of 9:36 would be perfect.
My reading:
1:41
